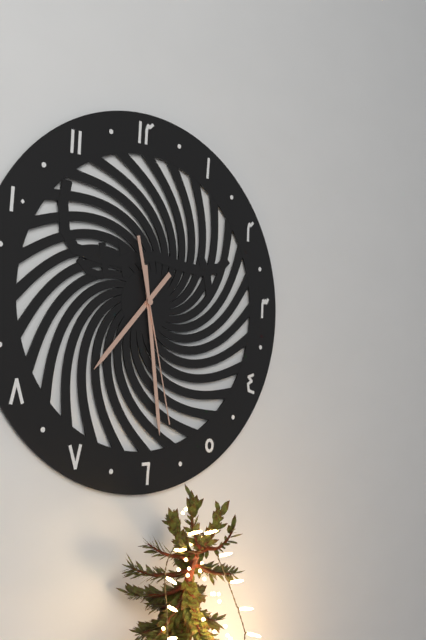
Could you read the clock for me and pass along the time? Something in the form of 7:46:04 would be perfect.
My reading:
7:29:28
